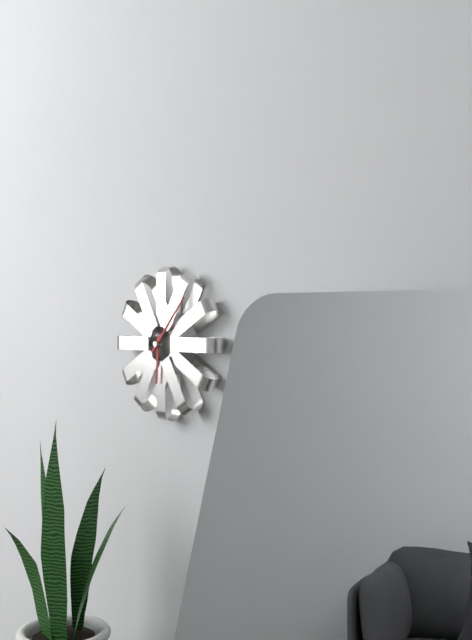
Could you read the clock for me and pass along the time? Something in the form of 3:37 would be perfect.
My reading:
6:07
